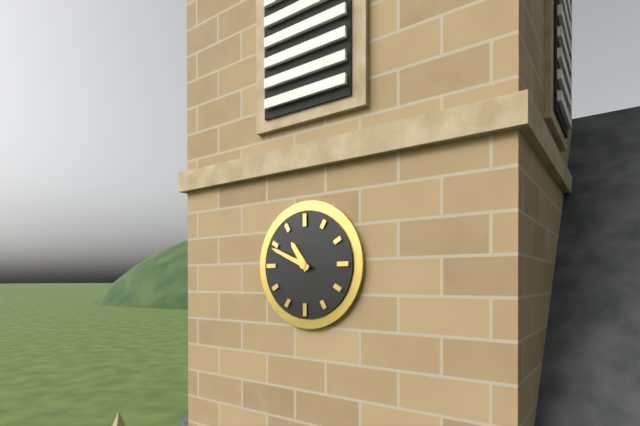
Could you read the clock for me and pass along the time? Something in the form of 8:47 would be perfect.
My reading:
10:49
